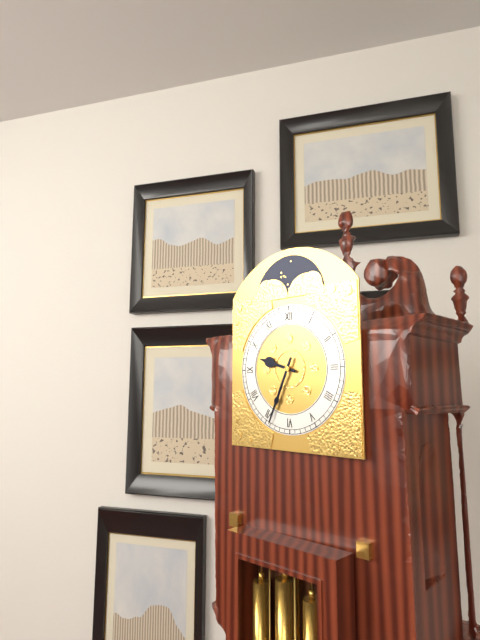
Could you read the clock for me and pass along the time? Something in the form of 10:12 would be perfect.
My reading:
9:34
